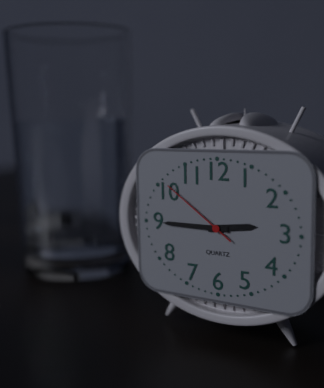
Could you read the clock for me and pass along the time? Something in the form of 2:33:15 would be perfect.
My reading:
2:45:51
